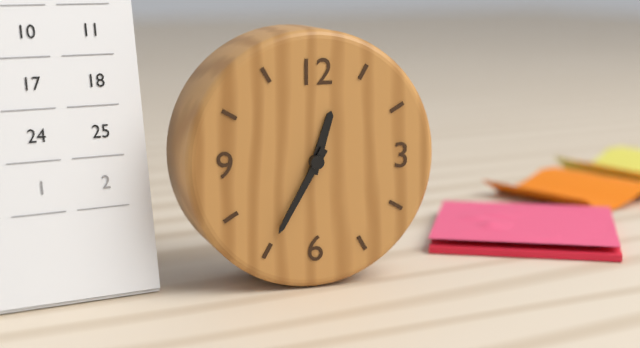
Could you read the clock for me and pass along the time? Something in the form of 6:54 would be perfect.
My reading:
12:35
